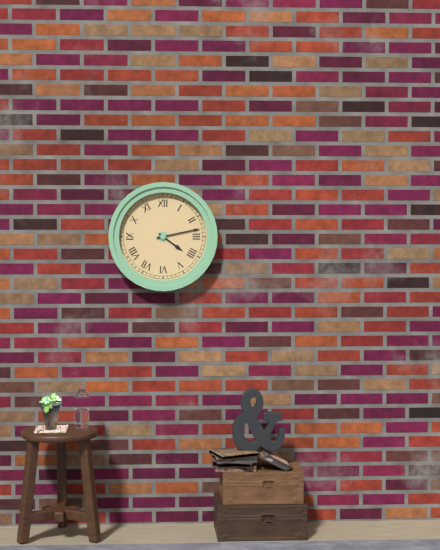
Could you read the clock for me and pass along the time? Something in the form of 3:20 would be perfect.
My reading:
4:13
